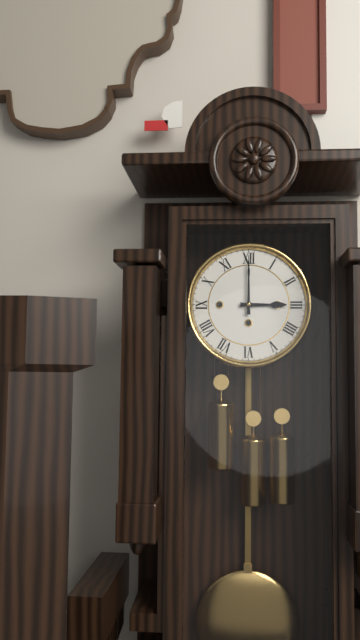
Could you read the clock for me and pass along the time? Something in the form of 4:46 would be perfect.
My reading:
3:00
